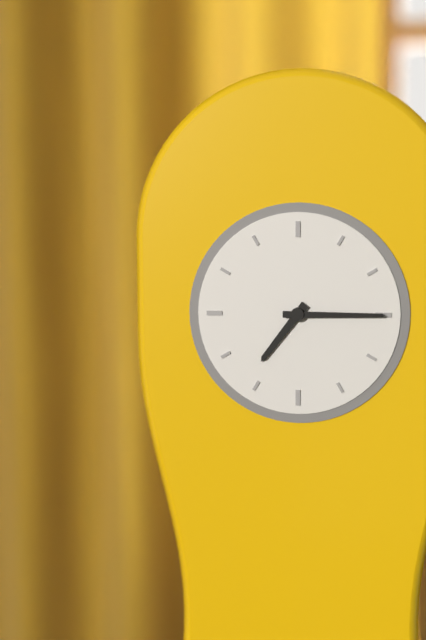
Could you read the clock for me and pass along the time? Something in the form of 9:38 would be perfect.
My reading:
7:15
